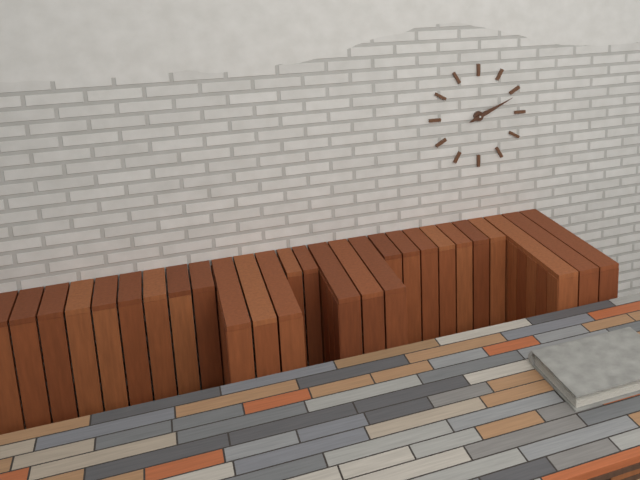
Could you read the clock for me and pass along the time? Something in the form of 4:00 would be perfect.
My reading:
2:11
